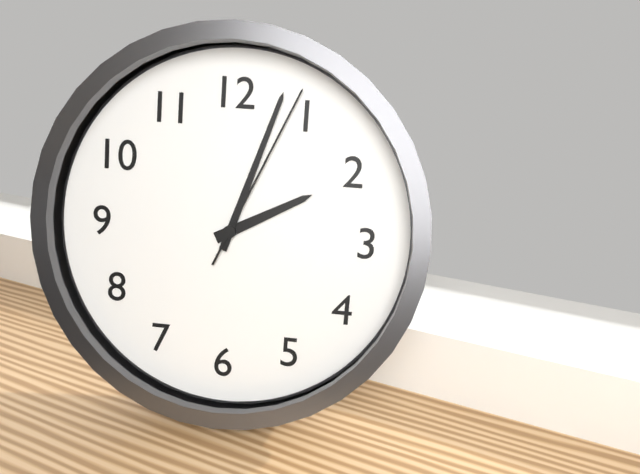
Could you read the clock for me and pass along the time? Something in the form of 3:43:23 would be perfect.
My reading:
2:03:04
